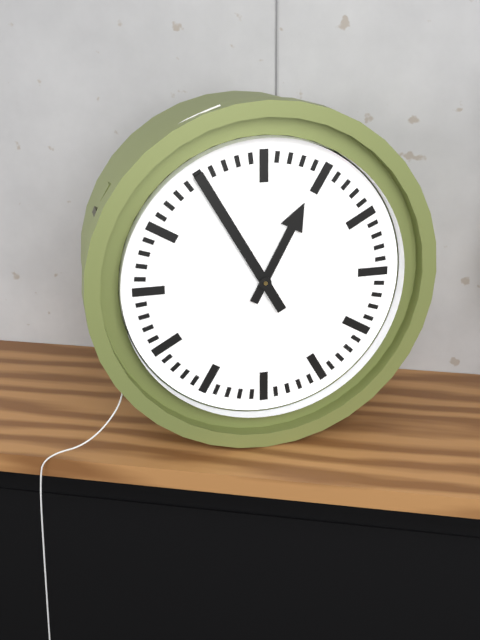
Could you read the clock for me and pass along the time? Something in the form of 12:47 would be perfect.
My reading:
12:55
